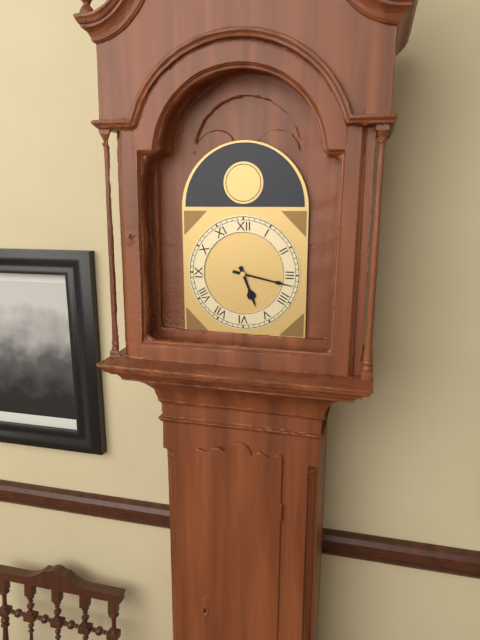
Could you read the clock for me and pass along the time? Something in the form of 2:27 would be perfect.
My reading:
5:17
